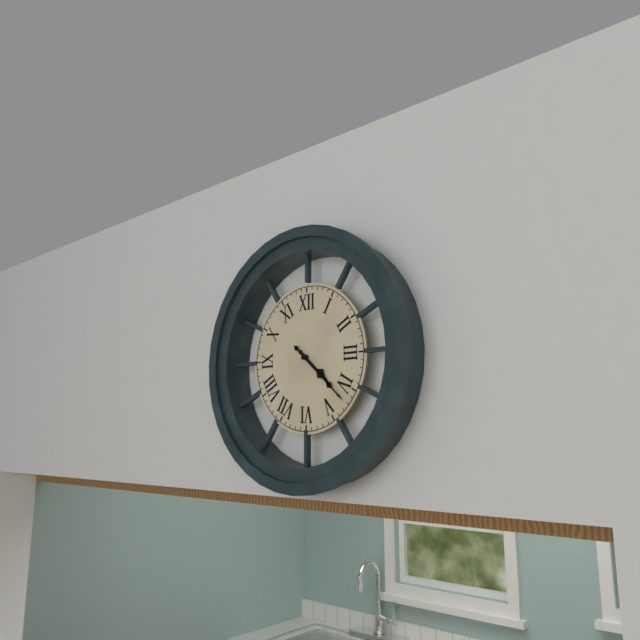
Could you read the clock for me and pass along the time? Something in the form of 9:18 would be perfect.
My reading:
4:22
